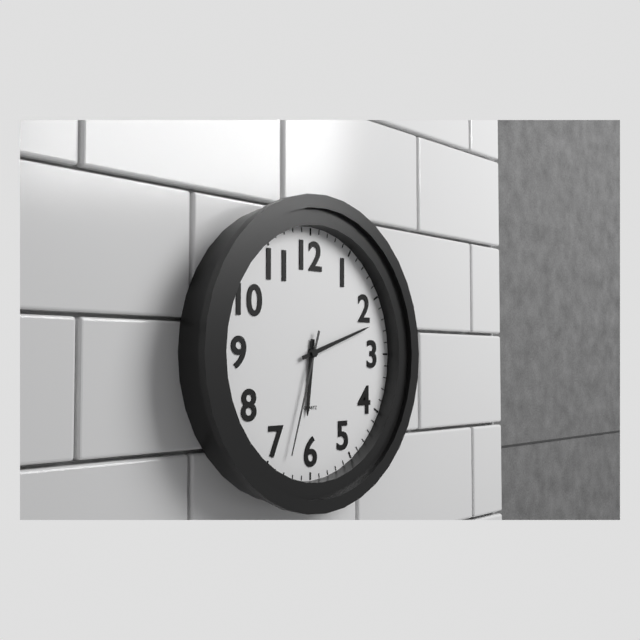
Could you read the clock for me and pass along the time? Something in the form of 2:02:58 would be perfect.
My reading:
6:12:33
